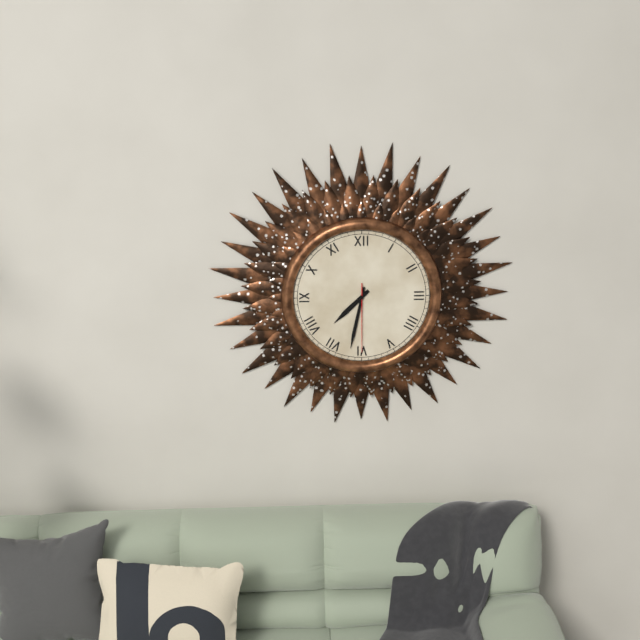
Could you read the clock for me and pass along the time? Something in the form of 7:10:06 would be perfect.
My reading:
7:32:30
